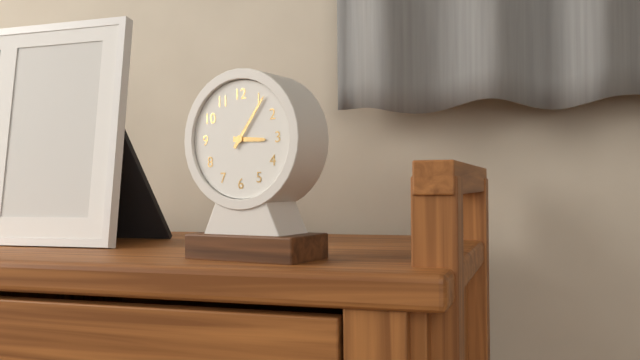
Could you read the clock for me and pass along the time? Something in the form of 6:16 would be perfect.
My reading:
3:06
